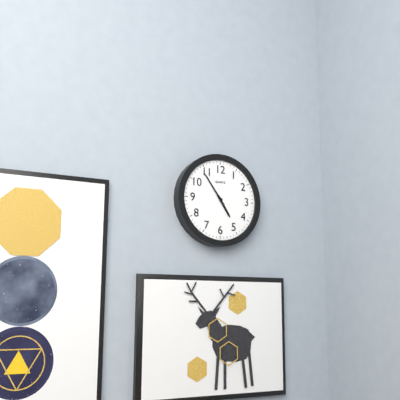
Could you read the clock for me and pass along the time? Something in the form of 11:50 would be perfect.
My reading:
4:54
